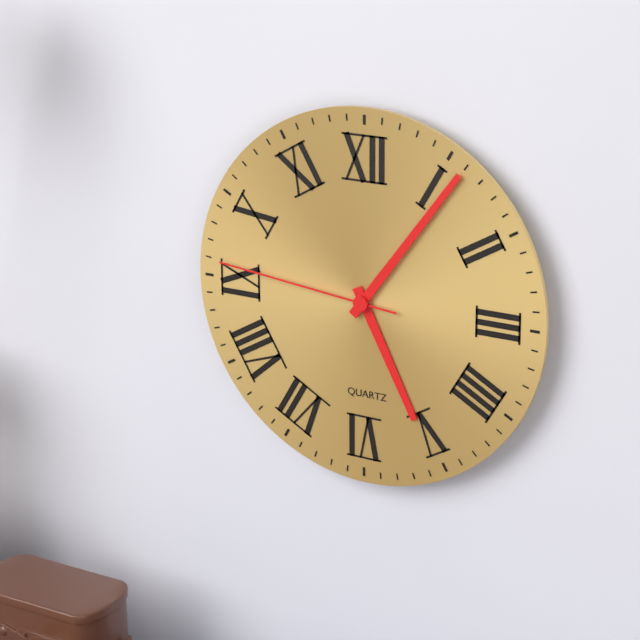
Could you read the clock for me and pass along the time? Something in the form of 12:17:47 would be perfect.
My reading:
5:06:46
